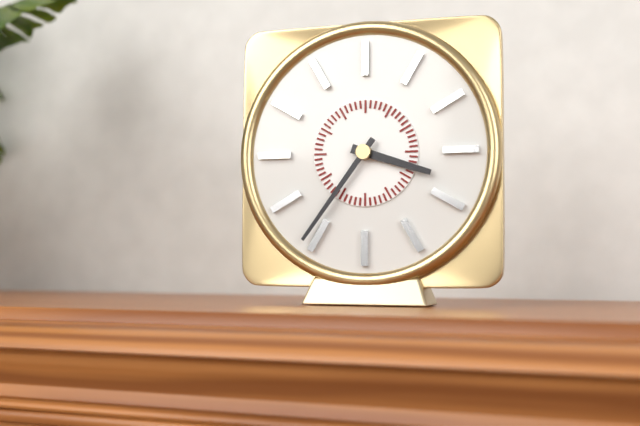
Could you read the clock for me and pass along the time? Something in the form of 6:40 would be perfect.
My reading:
3:36
